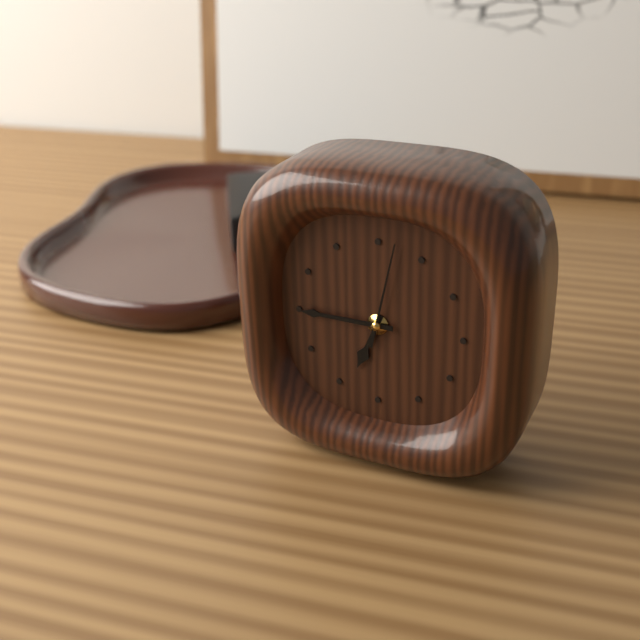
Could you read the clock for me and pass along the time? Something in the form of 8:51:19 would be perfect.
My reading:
6:45:02
